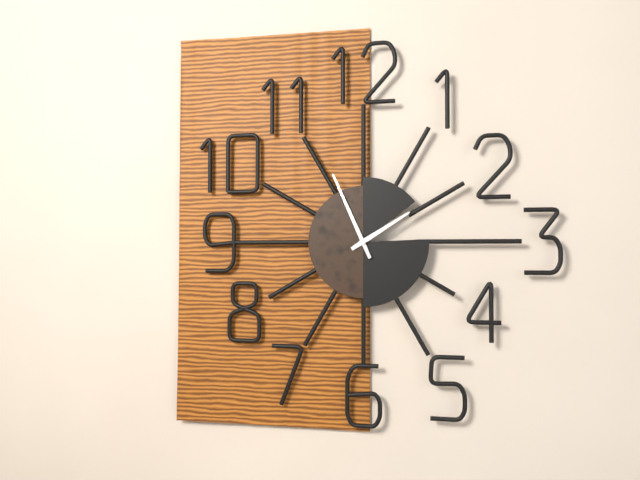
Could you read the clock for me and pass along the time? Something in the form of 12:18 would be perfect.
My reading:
1:56
